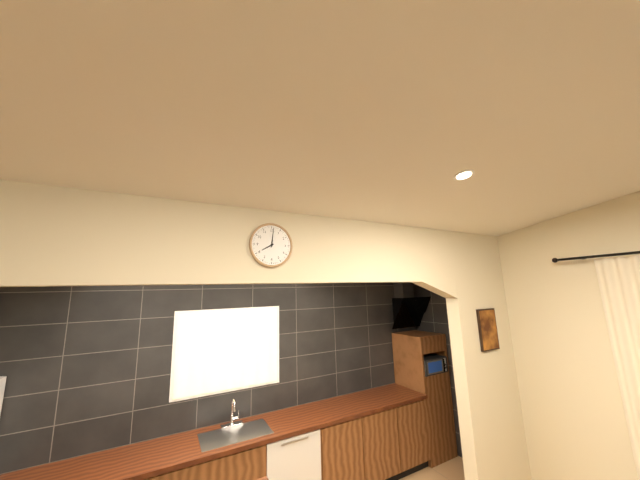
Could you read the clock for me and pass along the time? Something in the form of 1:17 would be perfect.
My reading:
8:01
